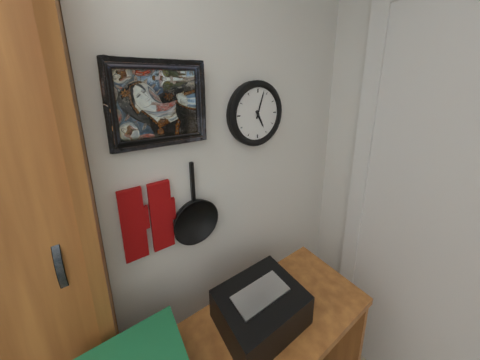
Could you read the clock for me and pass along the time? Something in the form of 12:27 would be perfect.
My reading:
5:03
